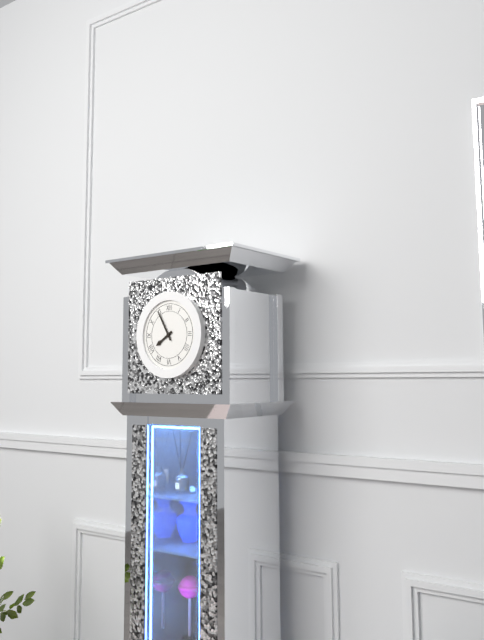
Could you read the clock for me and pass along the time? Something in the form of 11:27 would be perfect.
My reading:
7:55
